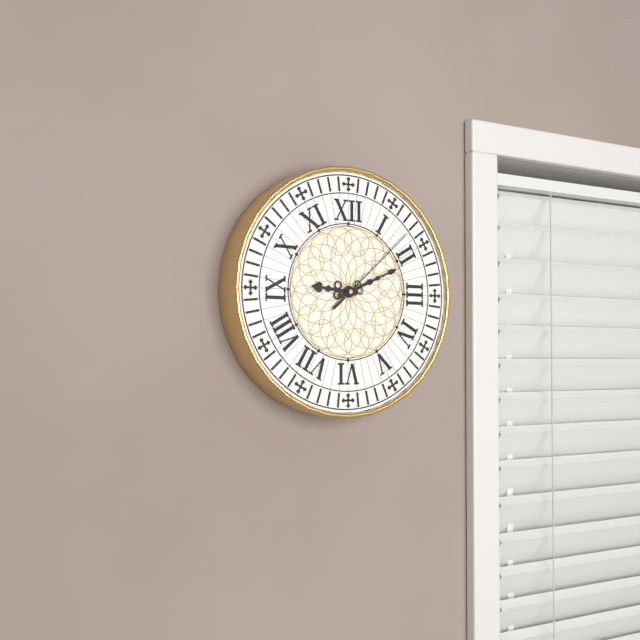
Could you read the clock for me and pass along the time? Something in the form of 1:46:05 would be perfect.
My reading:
9:11:08
